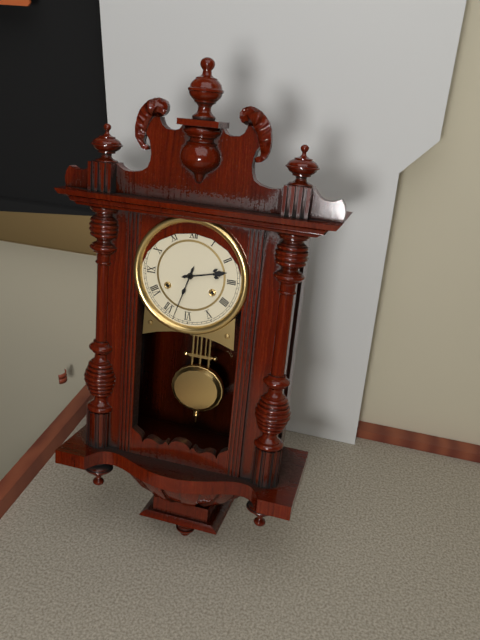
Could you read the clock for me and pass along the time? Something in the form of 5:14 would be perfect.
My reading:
2:33
